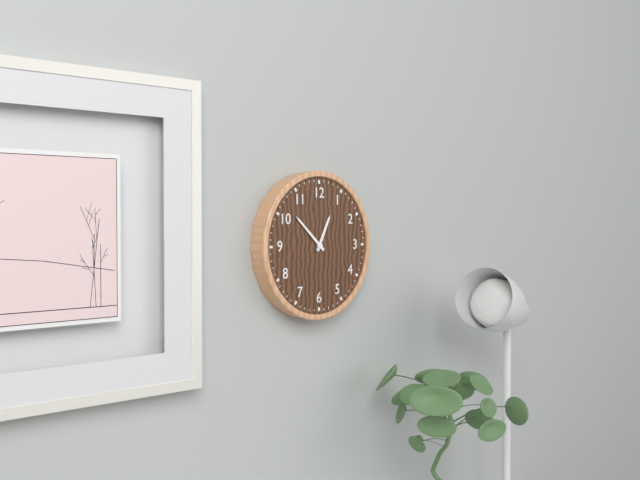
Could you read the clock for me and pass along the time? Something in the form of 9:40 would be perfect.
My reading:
12:52
